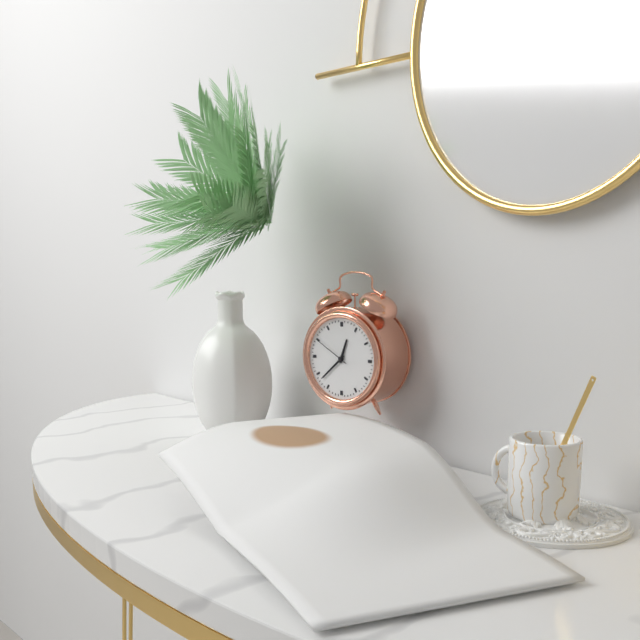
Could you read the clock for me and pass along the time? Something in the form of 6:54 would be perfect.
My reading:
12:38
